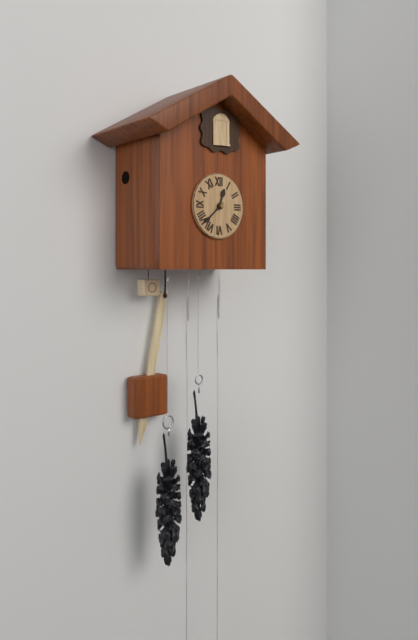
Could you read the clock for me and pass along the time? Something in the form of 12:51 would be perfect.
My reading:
12:38
